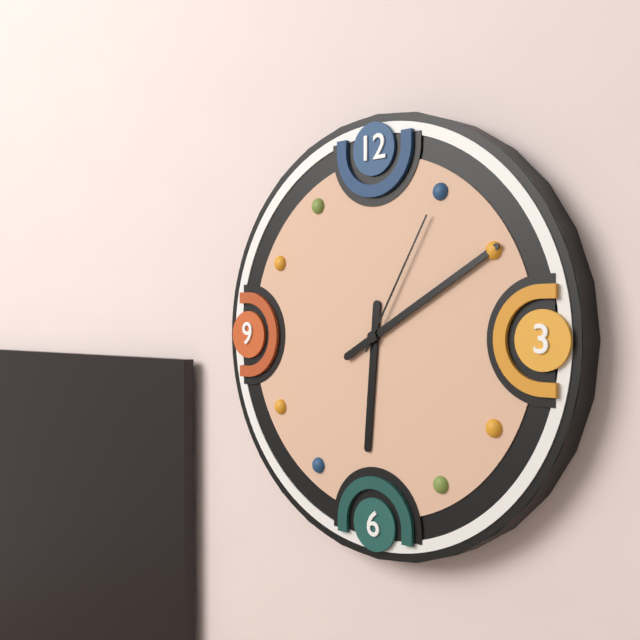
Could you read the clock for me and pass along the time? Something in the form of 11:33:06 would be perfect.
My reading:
6:10:05
